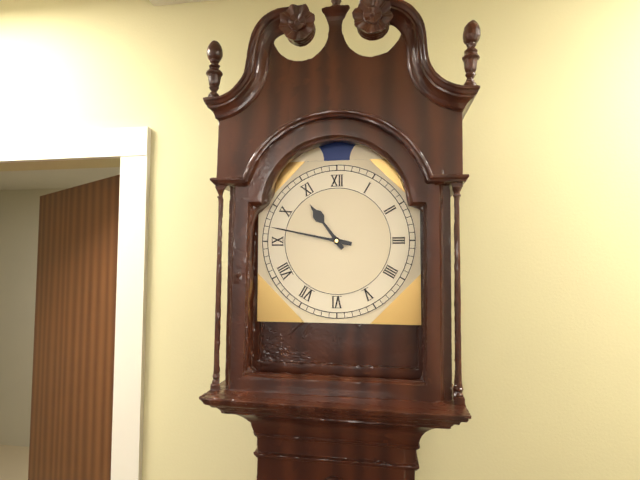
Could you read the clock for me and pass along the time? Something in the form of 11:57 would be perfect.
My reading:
10:47
